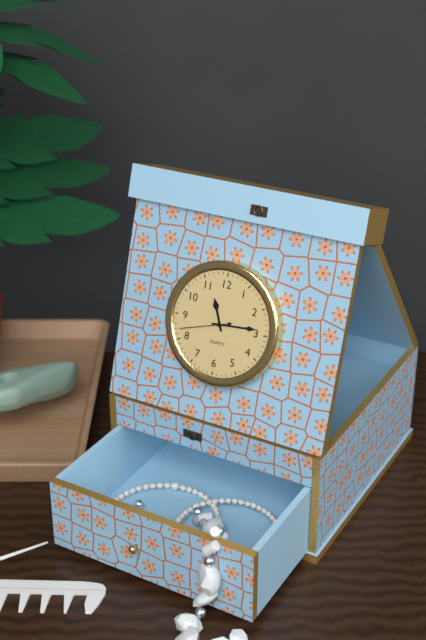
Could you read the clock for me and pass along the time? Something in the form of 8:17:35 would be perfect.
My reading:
11:14:42
